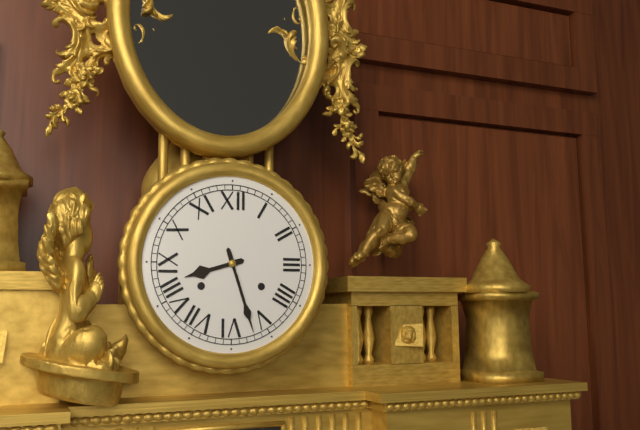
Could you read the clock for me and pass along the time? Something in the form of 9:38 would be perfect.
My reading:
8:27
